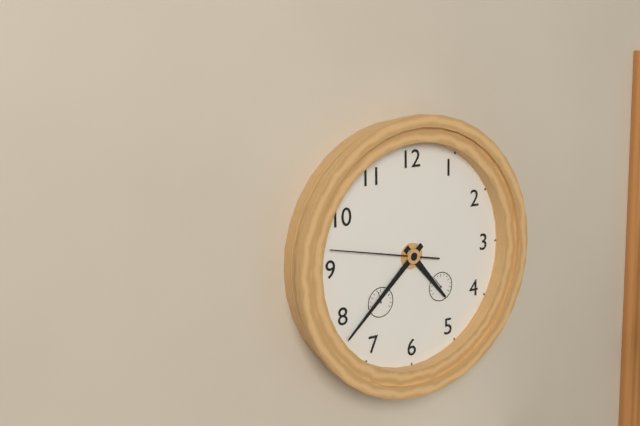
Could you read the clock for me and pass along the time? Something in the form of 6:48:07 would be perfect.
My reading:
4:38:47
